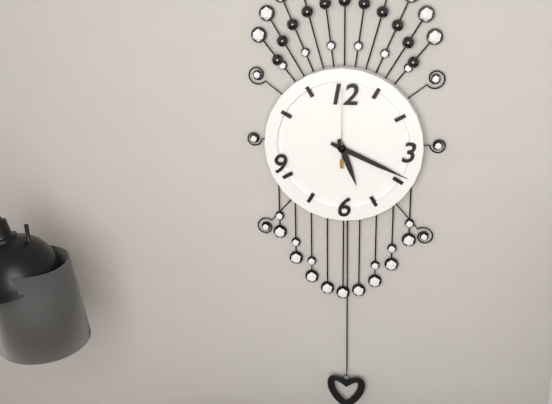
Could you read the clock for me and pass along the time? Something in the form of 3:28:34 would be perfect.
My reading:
5:19:00
